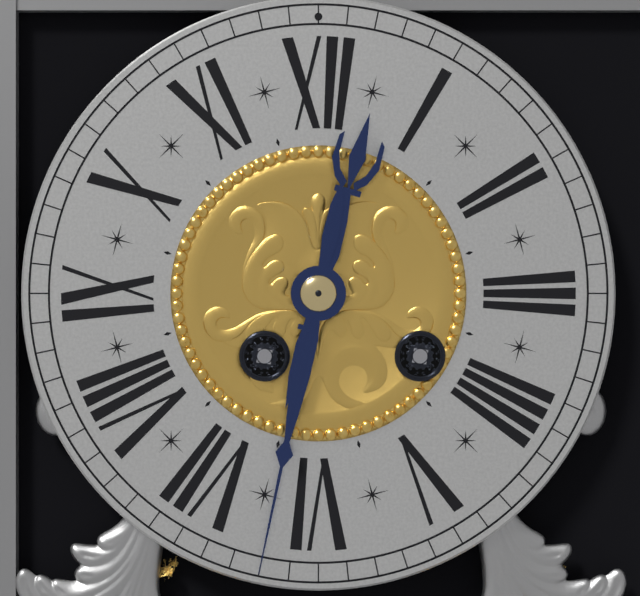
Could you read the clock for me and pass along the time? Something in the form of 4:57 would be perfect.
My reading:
12:32
